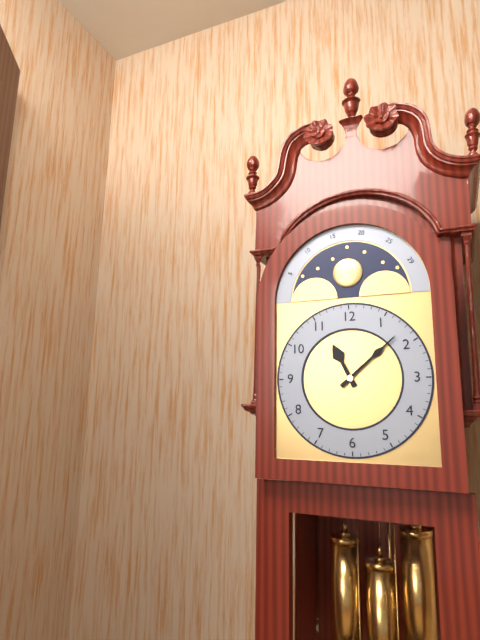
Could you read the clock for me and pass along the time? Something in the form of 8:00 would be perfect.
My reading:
11:08
